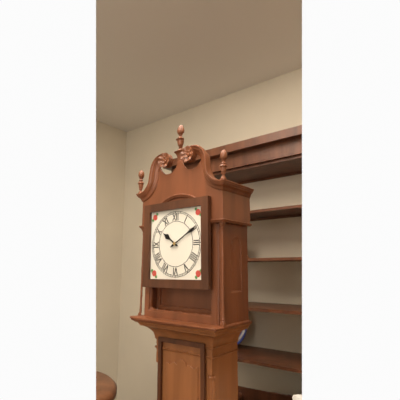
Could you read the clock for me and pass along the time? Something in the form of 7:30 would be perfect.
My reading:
10:10
